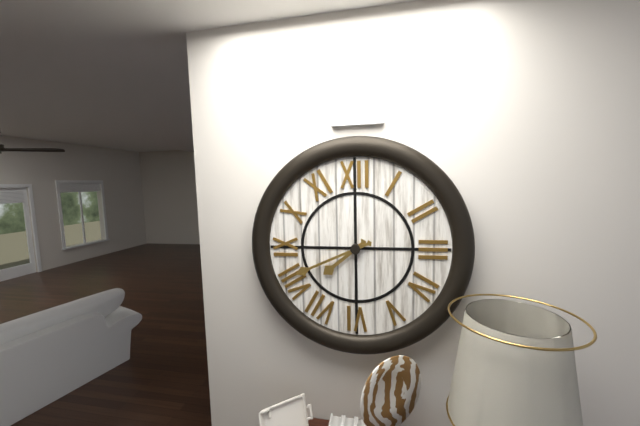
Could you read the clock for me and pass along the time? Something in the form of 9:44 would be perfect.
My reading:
7:41
